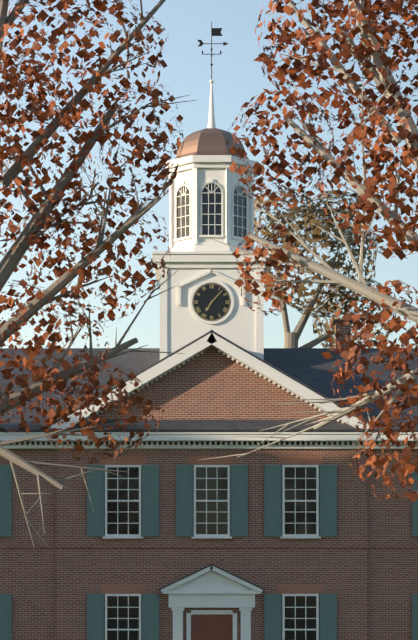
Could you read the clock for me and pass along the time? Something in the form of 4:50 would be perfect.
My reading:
7:07
